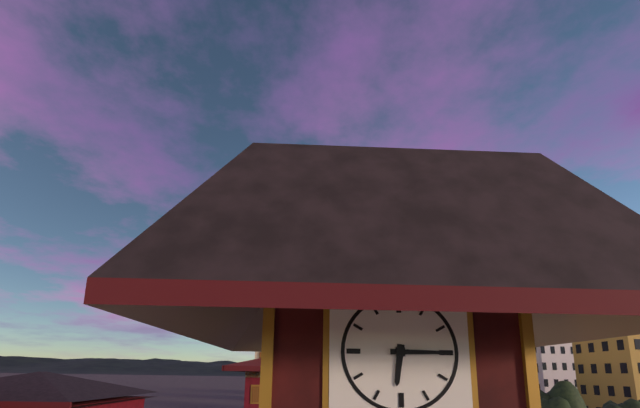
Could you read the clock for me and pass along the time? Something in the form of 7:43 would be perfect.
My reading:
6:15
